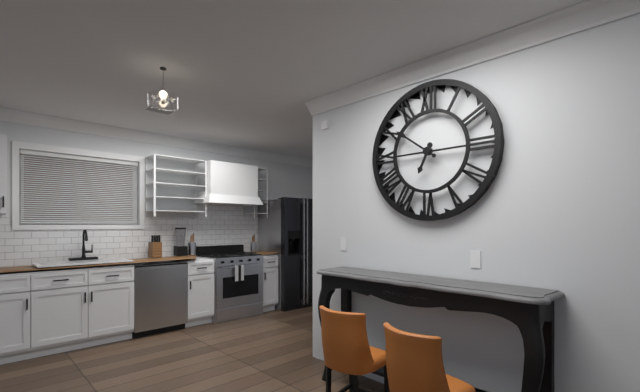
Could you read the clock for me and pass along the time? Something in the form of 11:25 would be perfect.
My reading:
6:51
